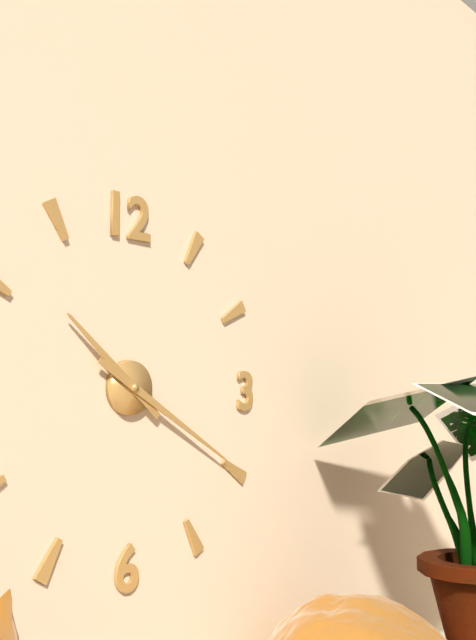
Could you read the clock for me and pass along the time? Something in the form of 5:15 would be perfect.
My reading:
10:20
